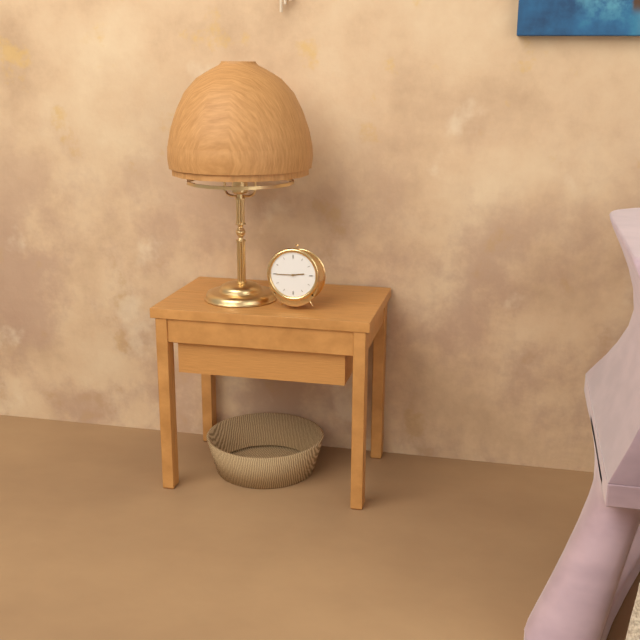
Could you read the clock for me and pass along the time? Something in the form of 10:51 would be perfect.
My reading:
2:45
